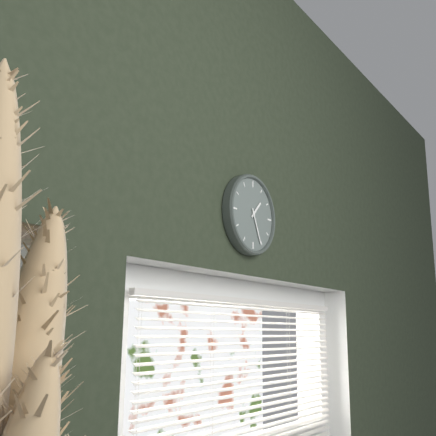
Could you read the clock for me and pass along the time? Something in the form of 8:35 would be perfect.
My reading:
1:26
